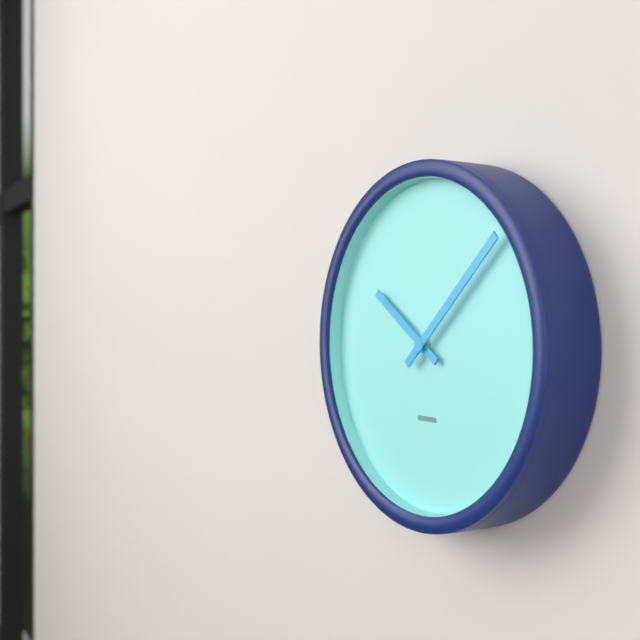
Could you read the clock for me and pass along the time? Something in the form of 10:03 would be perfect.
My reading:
10:08
